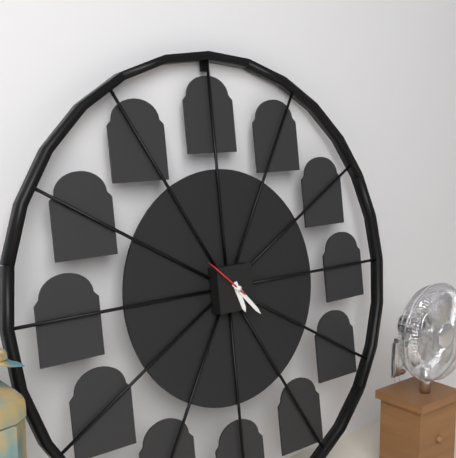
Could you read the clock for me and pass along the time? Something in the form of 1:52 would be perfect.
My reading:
5:23
